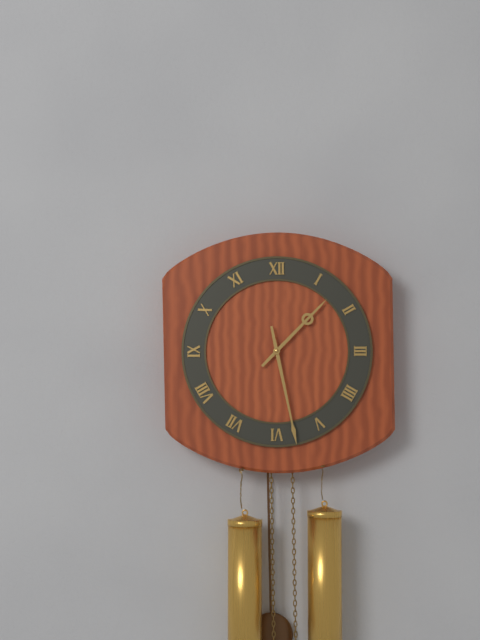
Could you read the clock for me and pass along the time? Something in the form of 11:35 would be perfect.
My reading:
1:28
